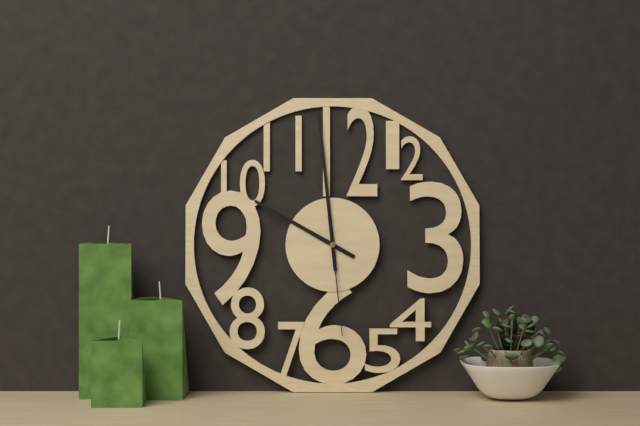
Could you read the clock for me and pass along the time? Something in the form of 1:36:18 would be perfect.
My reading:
9:59:29
